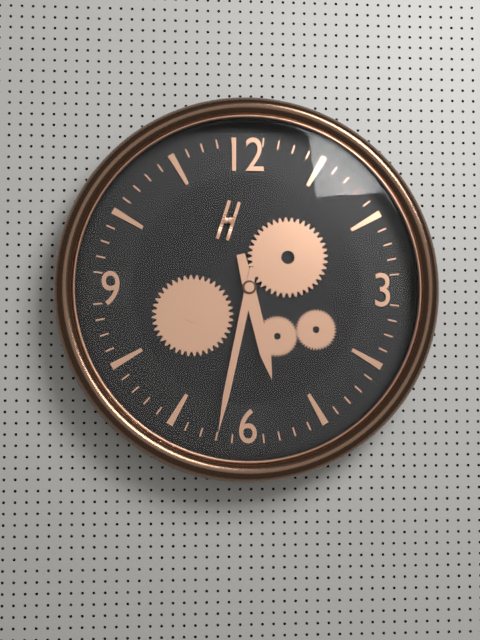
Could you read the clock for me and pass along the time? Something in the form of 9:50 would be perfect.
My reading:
5:32
